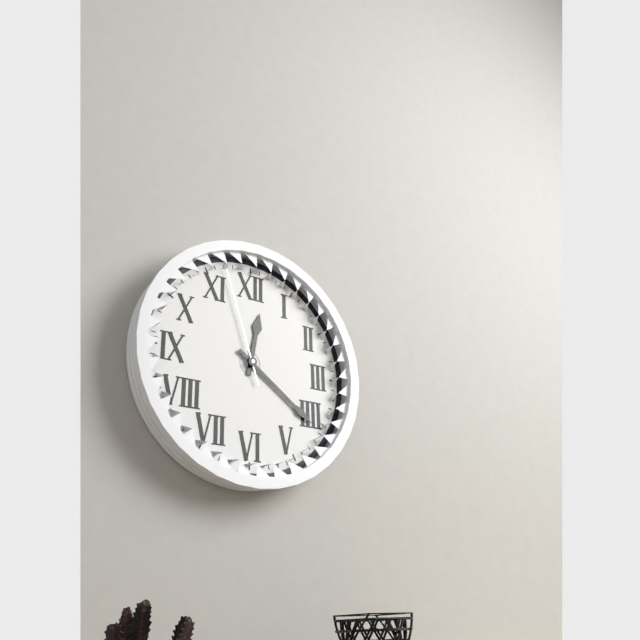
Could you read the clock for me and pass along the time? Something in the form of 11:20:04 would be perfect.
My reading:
12:21:57
